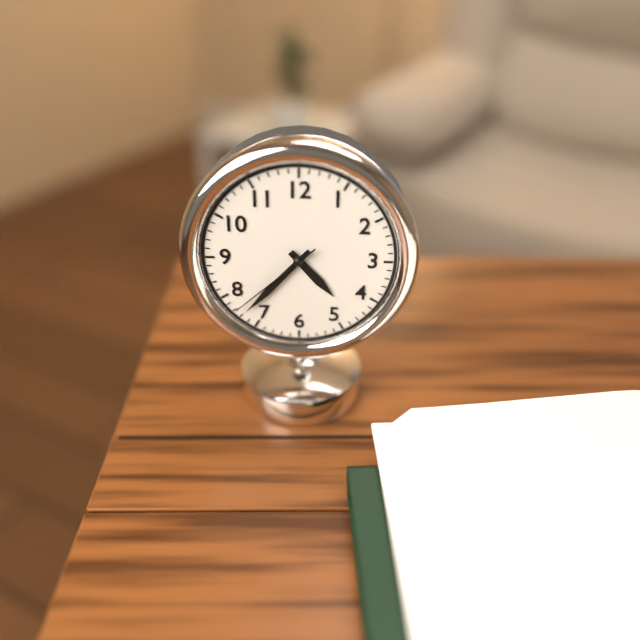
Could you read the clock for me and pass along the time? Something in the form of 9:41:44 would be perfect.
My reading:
4:37:38
